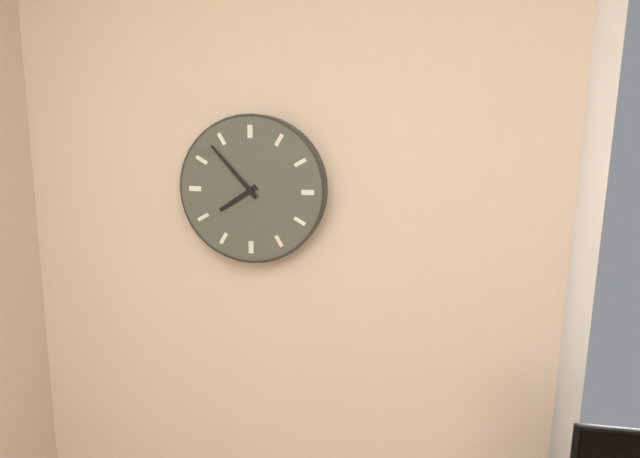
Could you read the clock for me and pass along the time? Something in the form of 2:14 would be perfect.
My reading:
7:53
